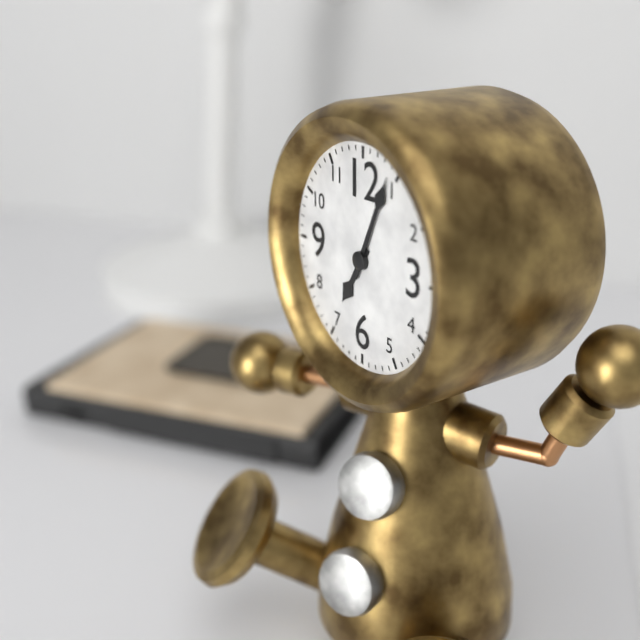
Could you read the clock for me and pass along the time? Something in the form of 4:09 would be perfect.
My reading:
7:04
